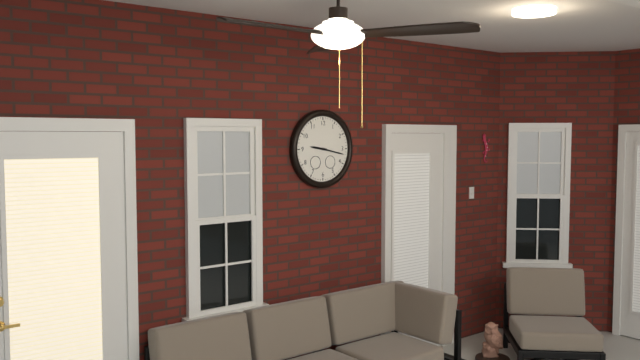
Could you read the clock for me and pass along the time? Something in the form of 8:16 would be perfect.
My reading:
9:17
